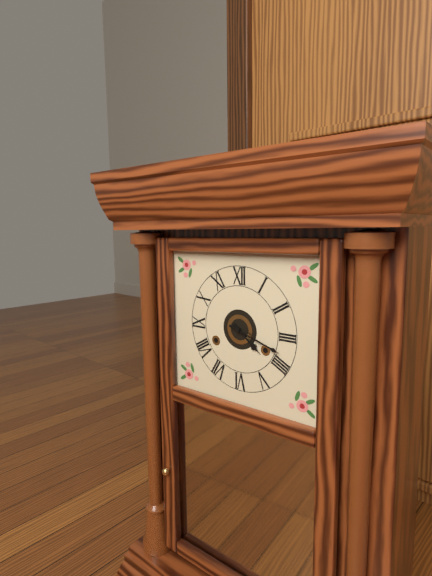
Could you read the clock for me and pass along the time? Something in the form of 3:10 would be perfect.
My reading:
4:18
